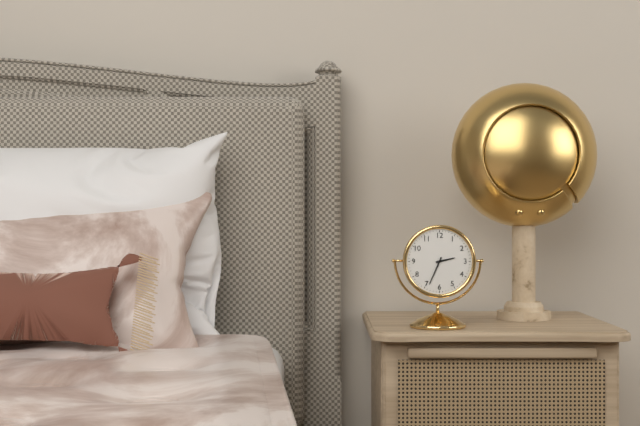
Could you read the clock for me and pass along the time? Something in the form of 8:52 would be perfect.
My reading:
2:34
